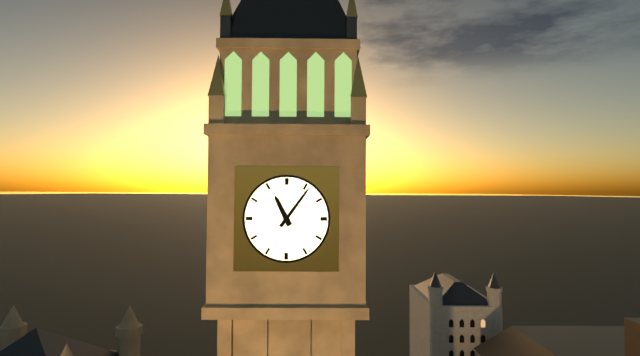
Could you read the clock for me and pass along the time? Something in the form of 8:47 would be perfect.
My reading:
11:06
